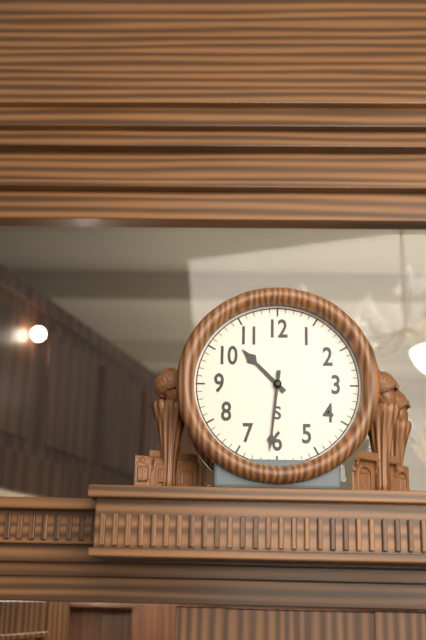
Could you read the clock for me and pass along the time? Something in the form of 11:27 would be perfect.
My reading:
10:31
